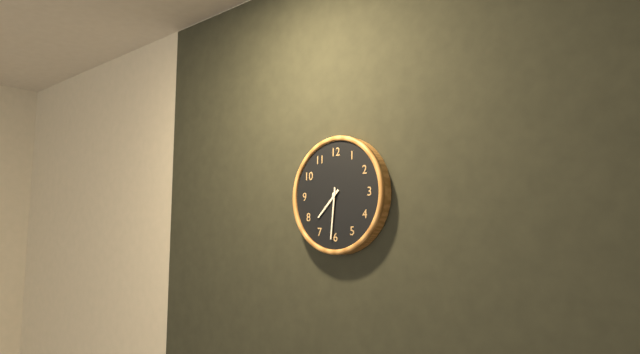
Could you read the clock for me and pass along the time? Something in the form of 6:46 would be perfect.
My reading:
7:31
